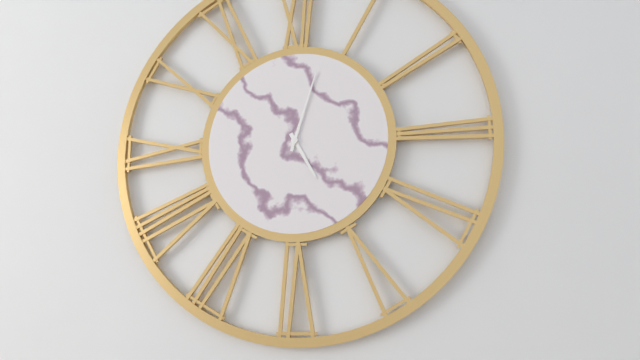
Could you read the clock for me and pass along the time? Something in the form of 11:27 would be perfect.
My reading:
5:03
